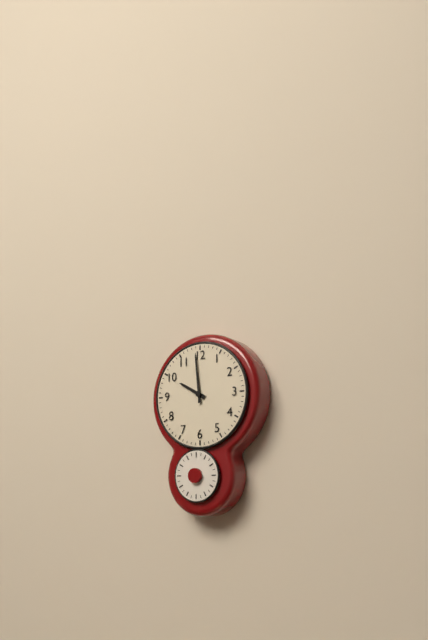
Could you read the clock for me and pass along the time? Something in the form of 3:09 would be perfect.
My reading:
9:59
